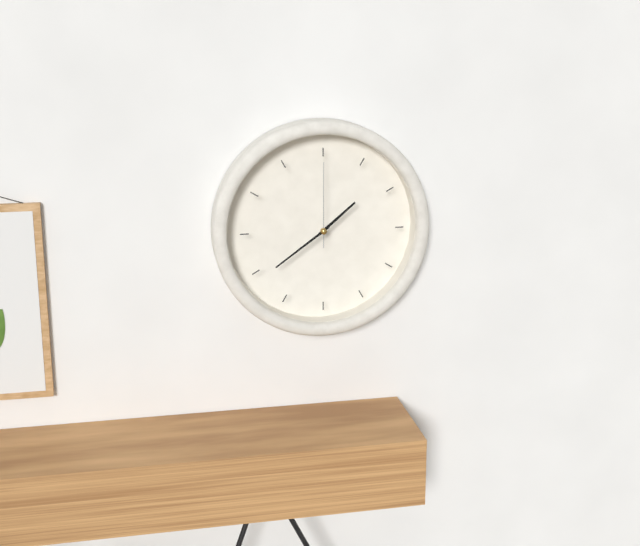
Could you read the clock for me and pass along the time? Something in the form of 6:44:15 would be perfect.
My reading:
1:39:00
